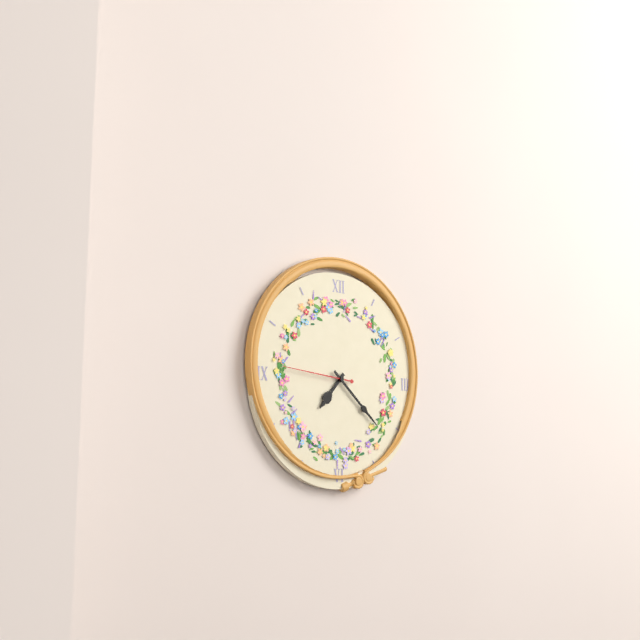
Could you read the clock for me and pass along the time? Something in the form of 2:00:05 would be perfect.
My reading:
7:22:46
